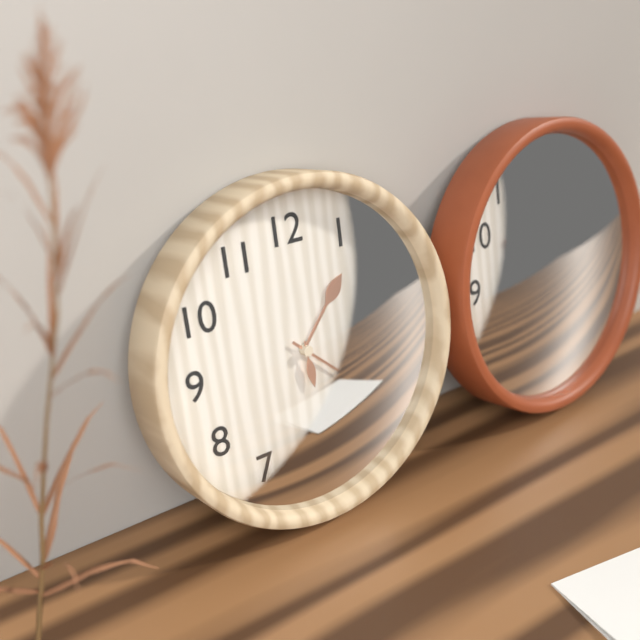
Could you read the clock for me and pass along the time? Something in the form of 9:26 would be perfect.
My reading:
1:22
